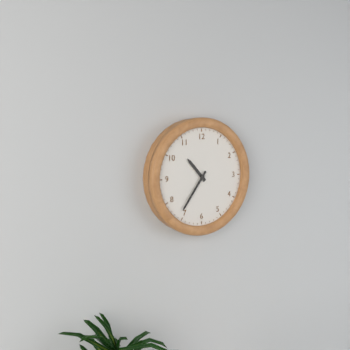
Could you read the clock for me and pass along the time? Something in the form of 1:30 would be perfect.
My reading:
10:36
